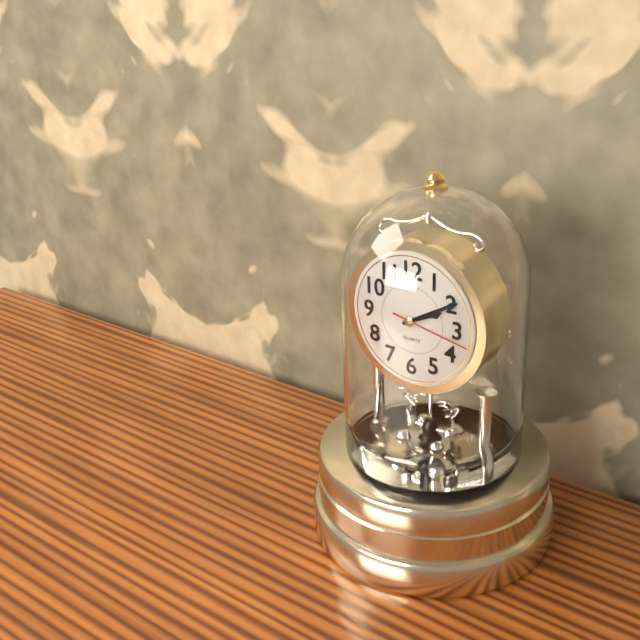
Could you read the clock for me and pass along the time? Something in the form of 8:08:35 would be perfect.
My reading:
2:10:17
